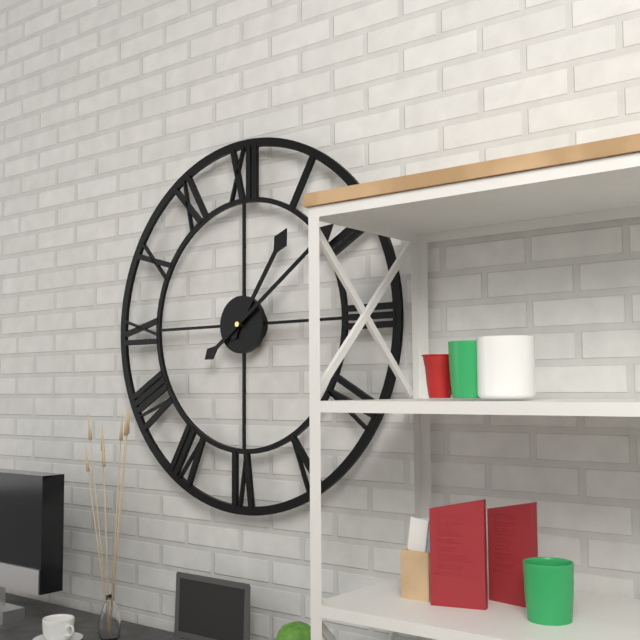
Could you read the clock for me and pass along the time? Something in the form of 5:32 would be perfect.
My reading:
1:09
